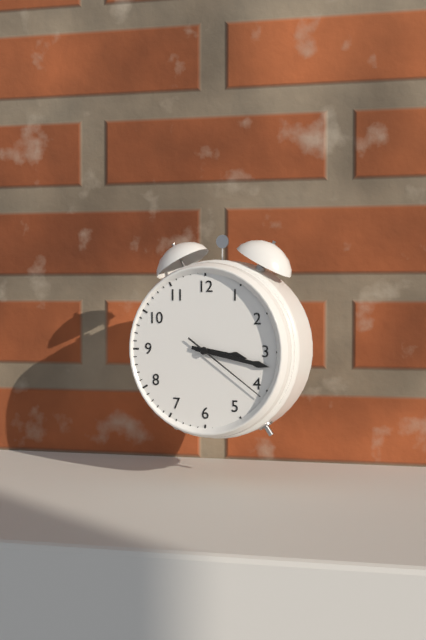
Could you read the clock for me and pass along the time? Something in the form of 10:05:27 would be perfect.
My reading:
3:17:21
